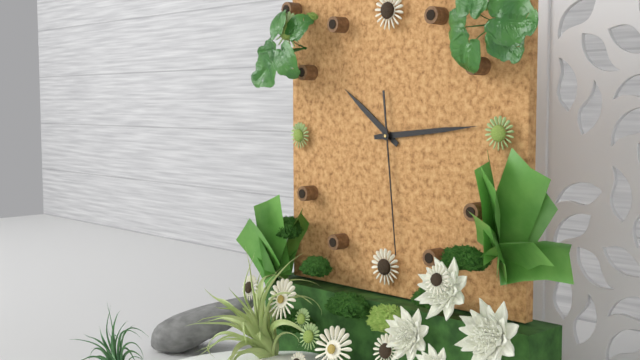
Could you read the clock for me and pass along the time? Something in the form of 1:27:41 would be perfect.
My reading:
10:14:29
